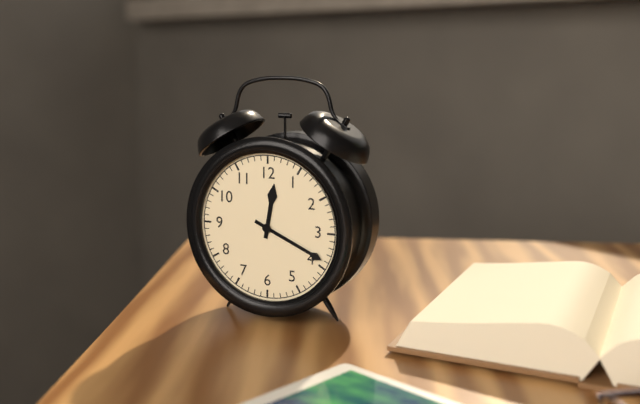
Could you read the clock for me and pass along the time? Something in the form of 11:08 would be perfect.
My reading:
12:19
